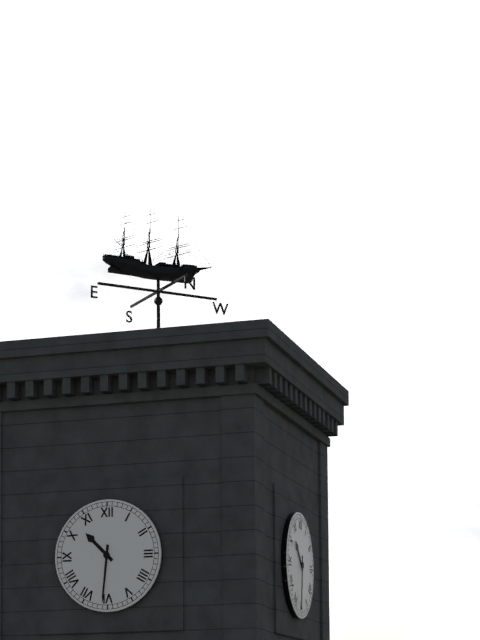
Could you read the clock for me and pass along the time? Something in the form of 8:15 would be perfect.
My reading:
10:31
